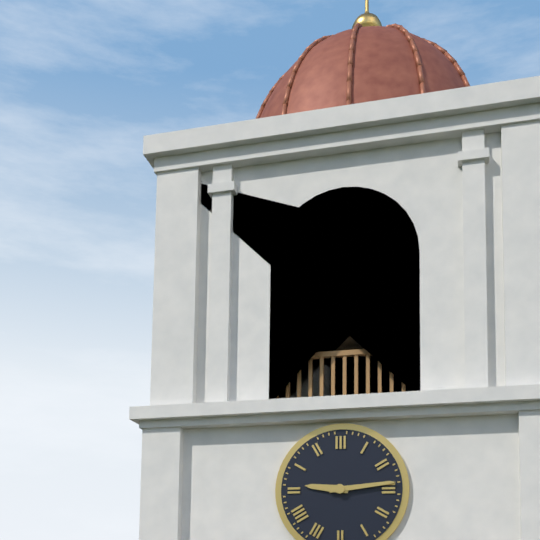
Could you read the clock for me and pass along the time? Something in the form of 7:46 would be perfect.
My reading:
9:14
